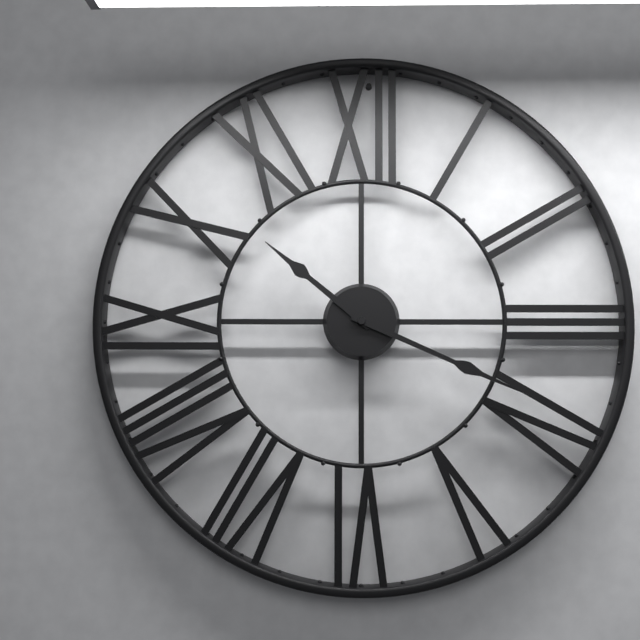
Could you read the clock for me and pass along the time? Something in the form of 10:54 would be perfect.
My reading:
10:19
